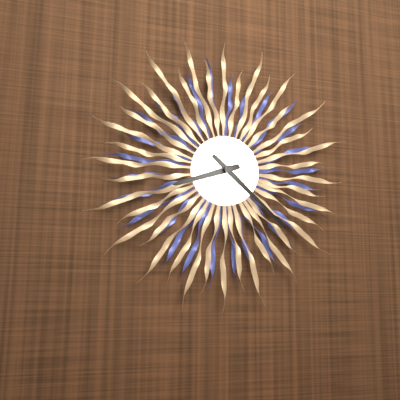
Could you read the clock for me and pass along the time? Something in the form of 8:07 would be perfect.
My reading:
8:22
